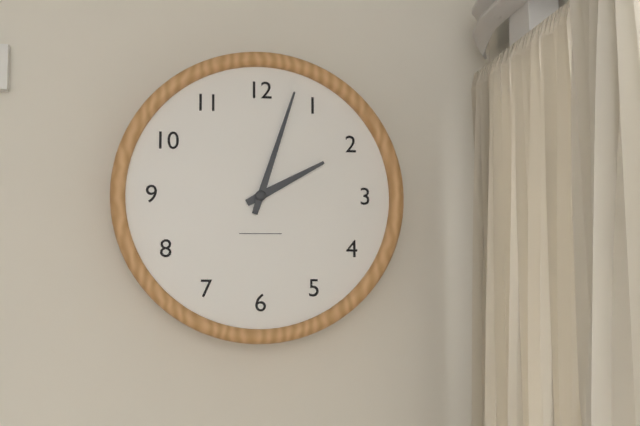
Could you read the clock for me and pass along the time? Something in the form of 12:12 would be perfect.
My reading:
2:03
